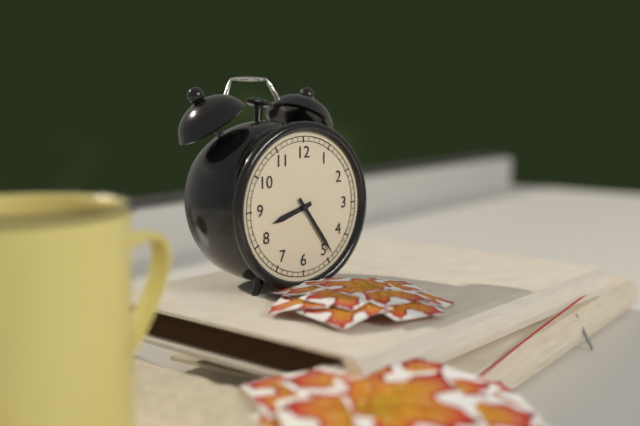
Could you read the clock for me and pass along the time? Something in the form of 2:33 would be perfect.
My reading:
8:24
